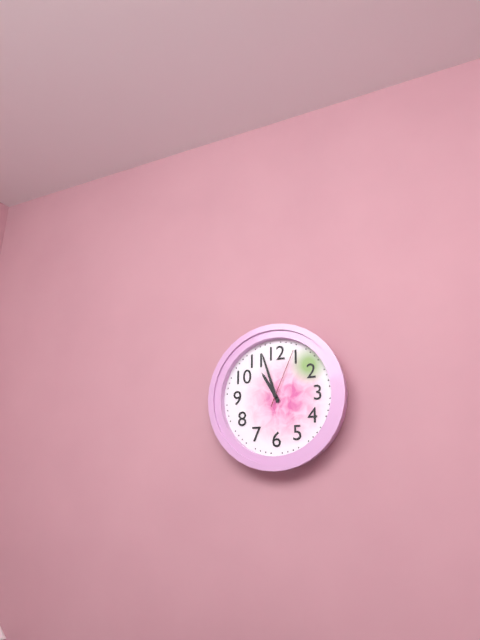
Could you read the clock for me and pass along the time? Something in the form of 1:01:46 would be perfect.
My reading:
10:57:04
